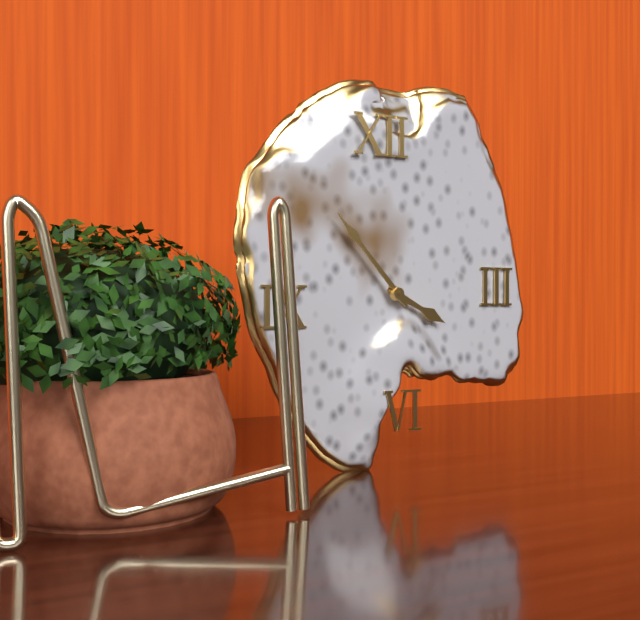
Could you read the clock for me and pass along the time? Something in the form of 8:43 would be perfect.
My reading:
3:53
